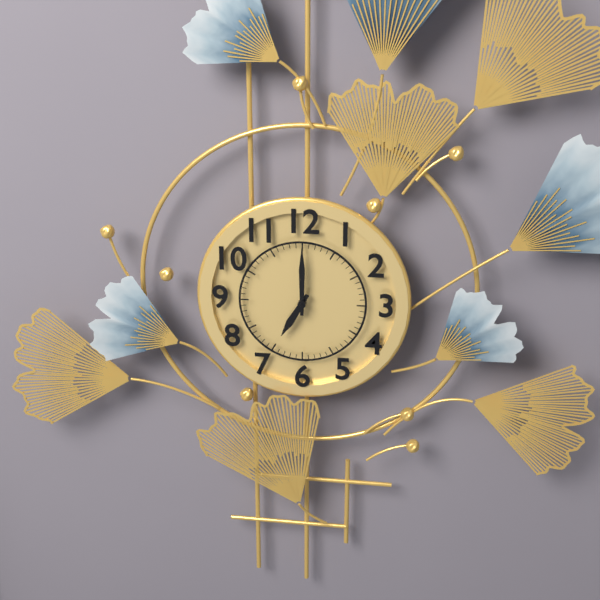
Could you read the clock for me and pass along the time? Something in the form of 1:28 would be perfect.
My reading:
7:00
